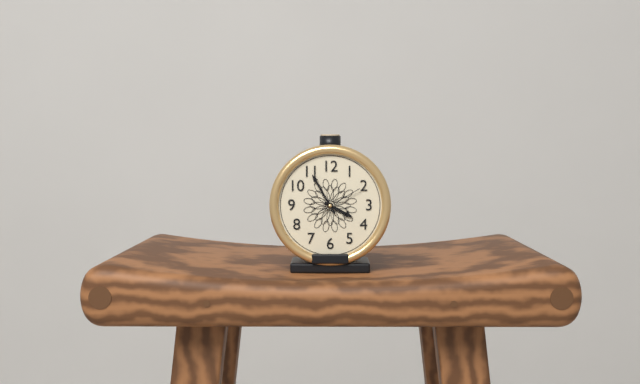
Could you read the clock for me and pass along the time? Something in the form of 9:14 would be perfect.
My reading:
3:55
